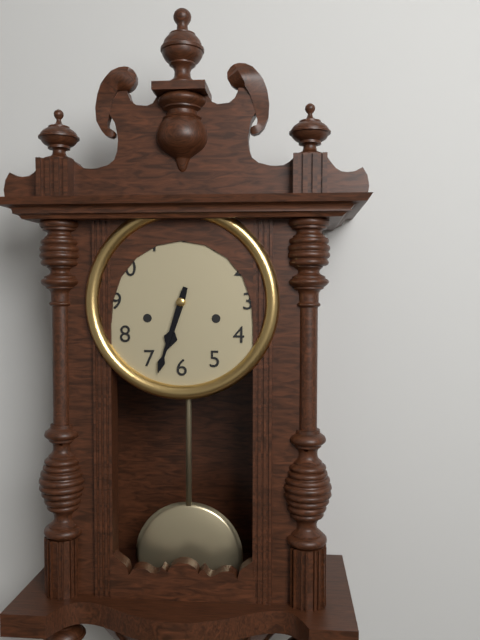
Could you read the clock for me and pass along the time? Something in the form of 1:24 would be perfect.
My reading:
6:33
